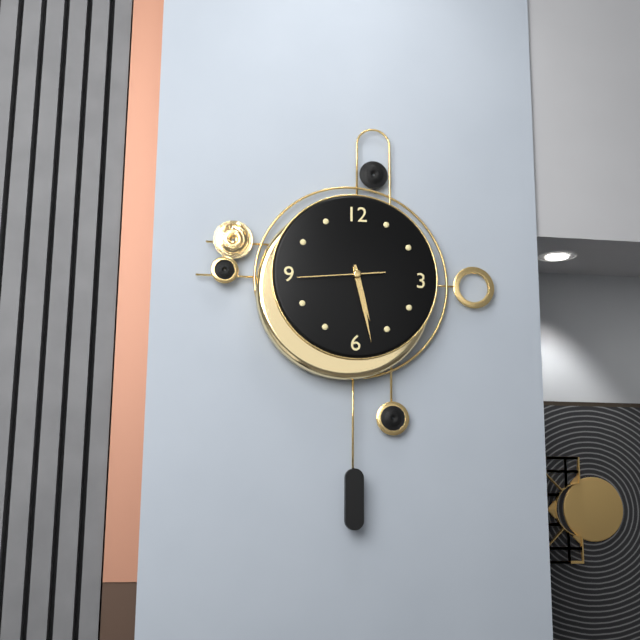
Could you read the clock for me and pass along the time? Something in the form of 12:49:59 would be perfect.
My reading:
5:28:44
